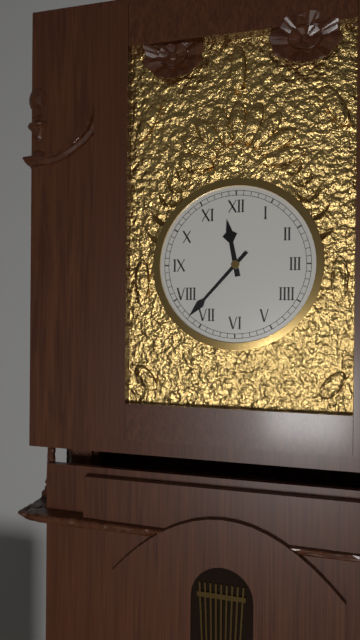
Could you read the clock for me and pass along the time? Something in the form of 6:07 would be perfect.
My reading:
11:37
